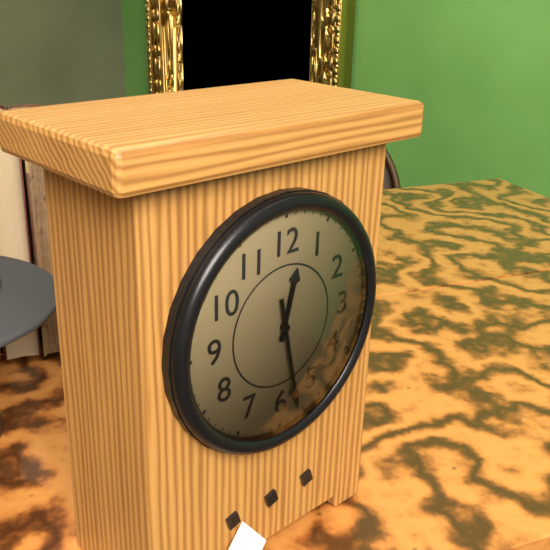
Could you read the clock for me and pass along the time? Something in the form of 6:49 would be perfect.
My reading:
12:28
